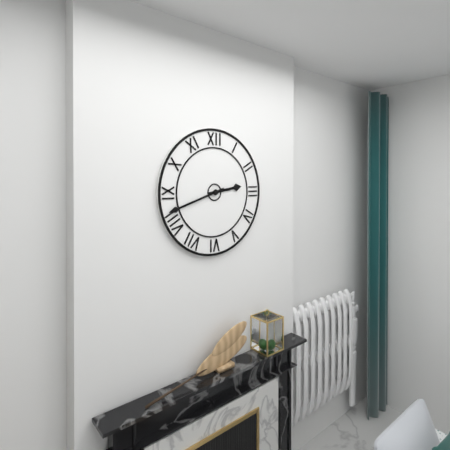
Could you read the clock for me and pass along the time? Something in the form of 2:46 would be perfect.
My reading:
2:42
